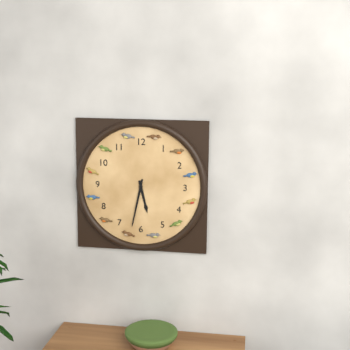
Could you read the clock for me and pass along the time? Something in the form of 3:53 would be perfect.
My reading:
5:32
